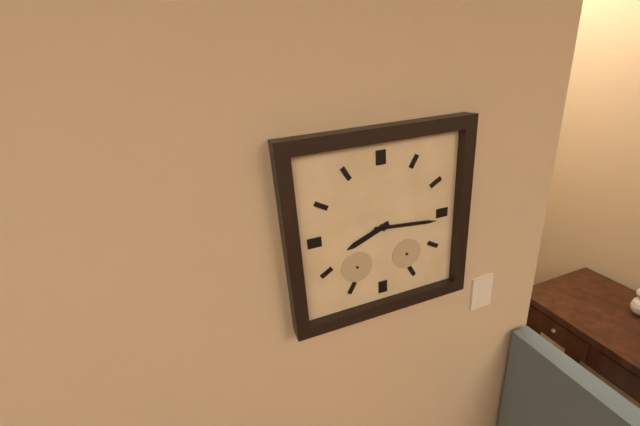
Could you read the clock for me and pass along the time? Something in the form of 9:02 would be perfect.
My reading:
8:16
